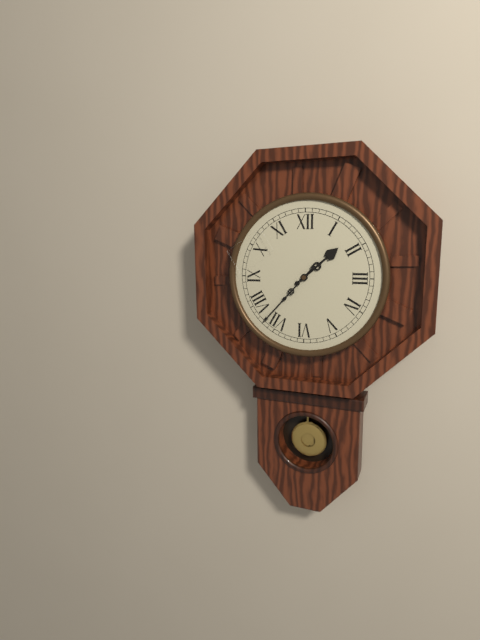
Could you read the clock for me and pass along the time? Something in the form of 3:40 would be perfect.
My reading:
1:37
